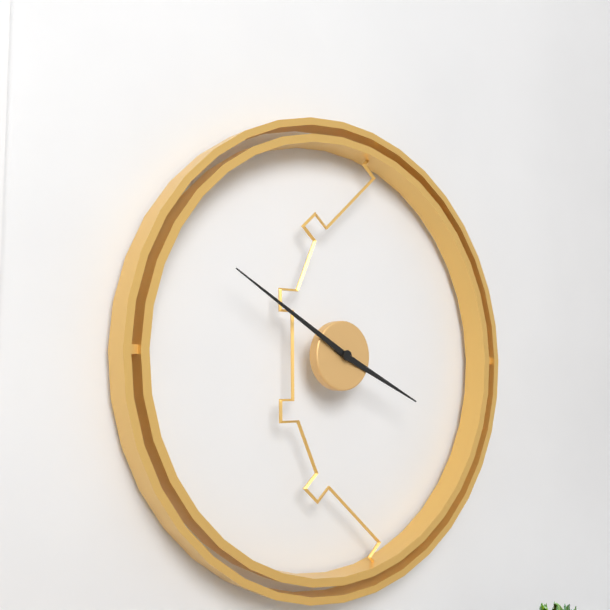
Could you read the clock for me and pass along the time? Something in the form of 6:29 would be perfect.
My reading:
3:50
